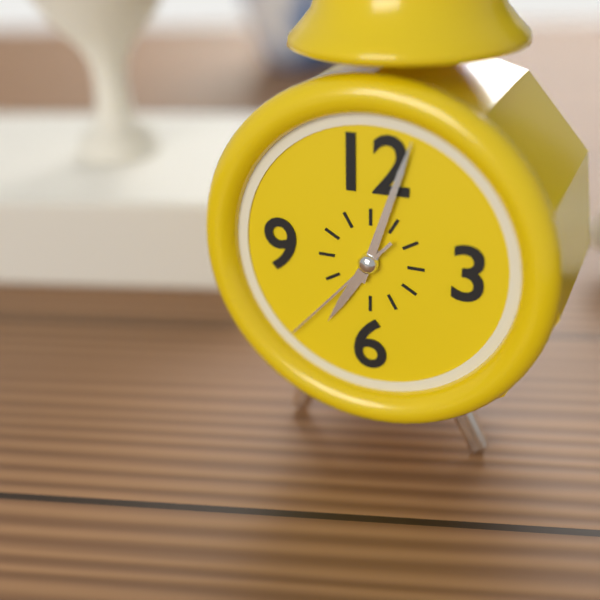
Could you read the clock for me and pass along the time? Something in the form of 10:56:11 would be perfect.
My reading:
7:03:37
